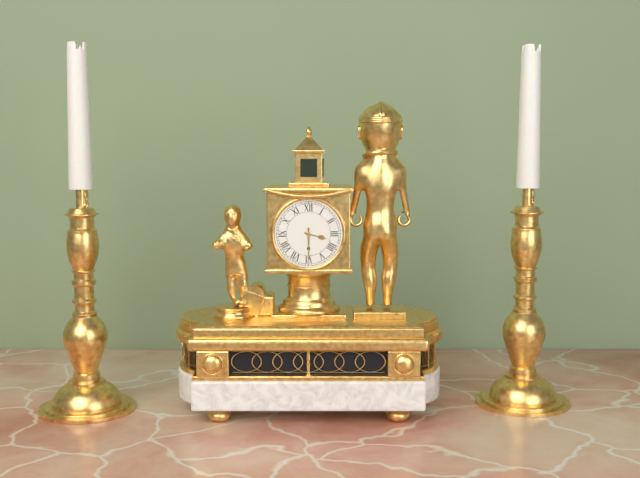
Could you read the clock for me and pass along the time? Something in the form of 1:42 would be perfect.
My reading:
3:30
